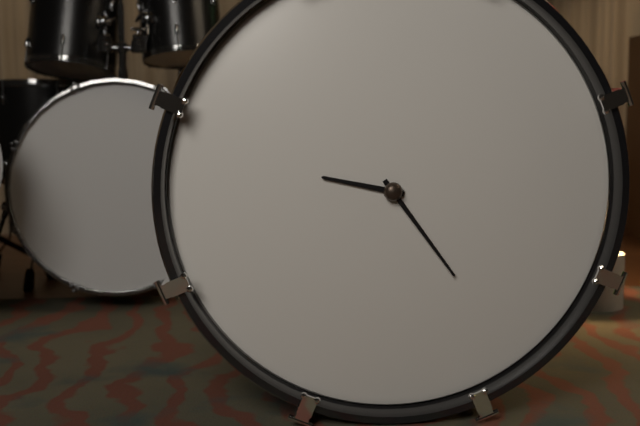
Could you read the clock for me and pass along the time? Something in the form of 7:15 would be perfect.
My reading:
9:24
